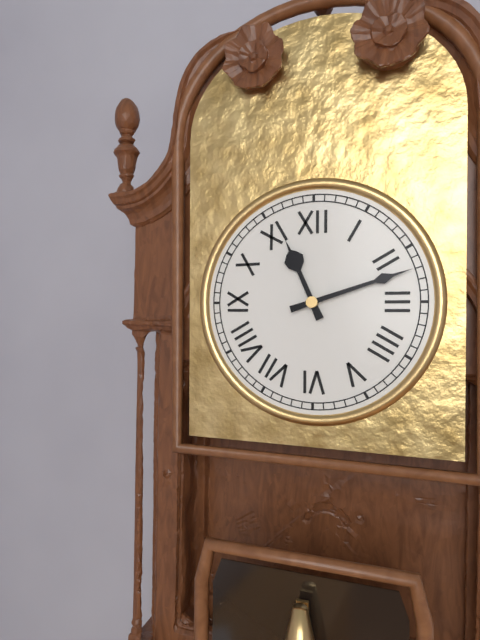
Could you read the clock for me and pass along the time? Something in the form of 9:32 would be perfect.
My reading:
11:12
